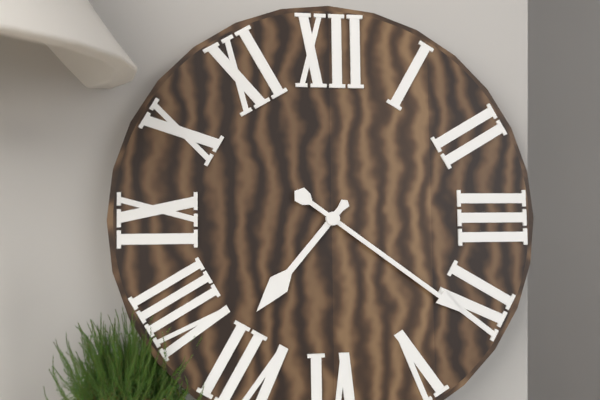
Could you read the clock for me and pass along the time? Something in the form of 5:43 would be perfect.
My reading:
7:21
